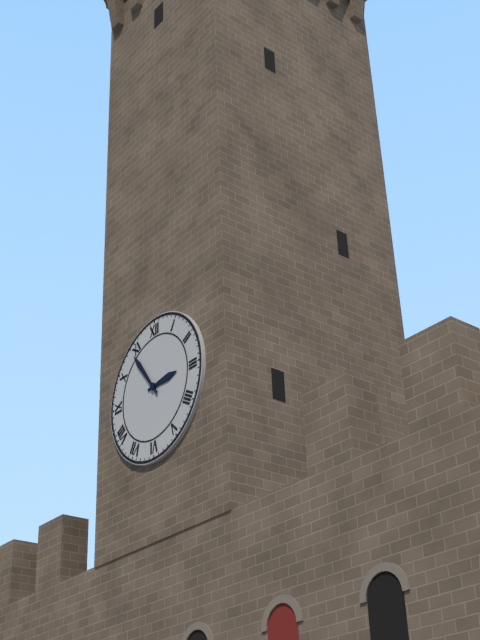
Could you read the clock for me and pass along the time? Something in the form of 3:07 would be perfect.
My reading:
2:54
